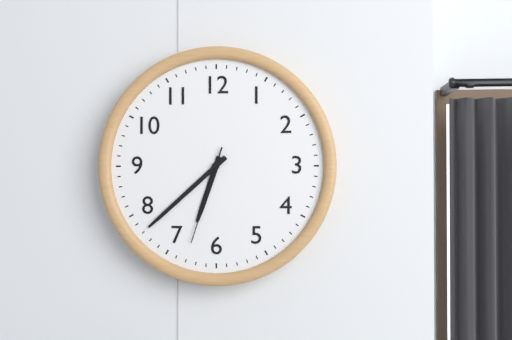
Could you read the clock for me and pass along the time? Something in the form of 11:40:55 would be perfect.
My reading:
6:38:33
